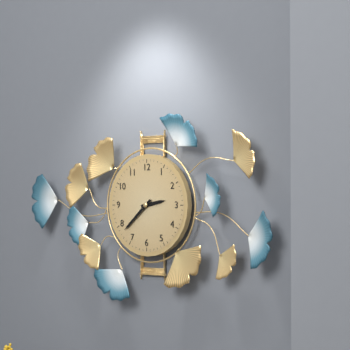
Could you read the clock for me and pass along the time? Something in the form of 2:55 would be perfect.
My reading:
2:38
